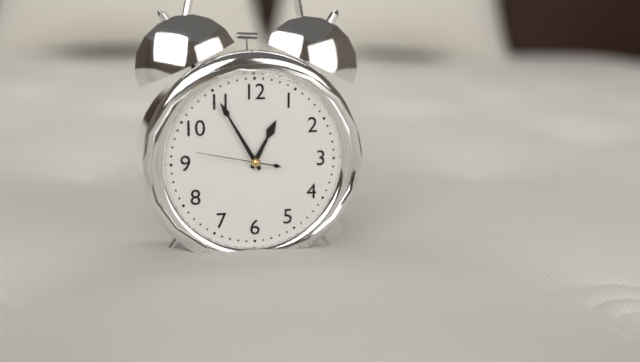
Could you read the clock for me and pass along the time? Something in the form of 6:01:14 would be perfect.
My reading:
12:55:47
